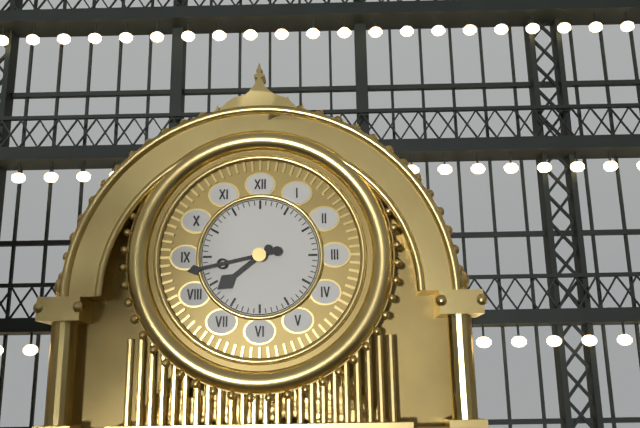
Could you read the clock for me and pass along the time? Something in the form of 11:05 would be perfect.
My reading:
7:43
